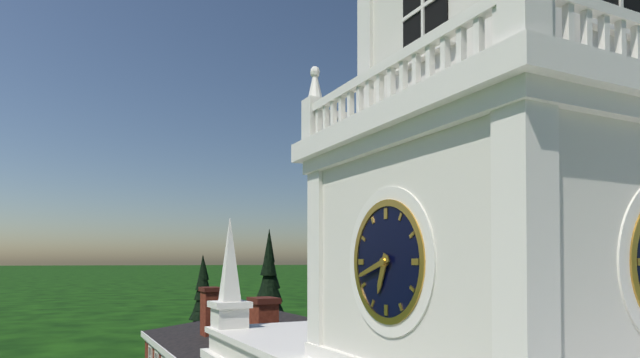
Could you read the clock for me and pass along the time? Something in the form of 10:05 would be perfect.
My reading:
6:42
